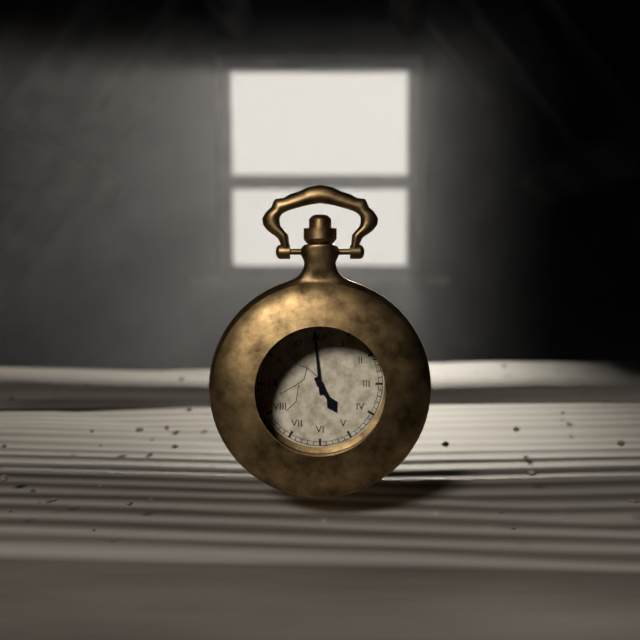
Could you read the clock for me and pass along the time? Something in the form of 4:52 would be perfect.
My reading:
4:59
